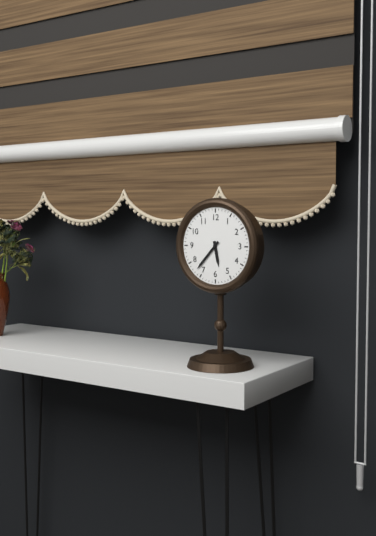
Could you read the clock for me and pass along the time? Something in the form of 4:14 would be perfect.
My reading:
5:37
